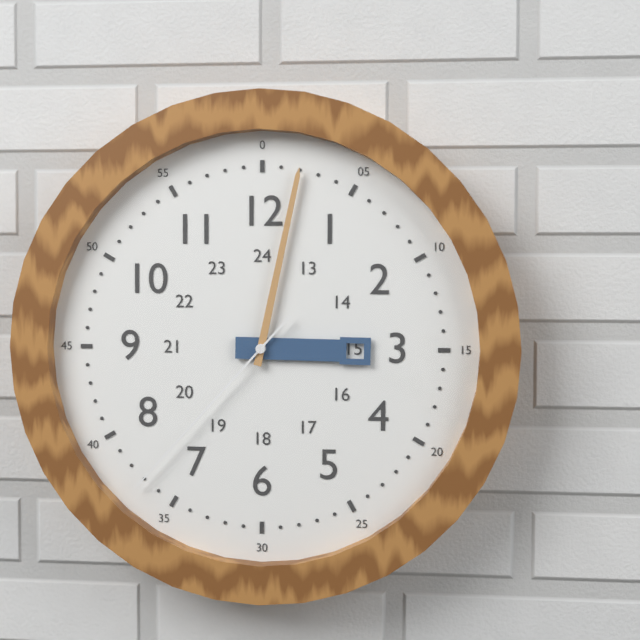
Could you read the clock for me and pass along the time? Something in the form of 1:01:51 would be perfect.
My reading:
3:02:37
